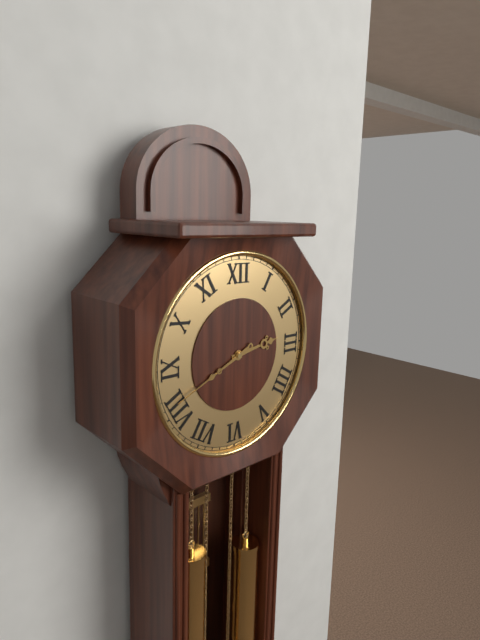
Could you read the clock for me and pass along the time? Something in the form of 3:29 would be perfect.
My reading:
2:41
